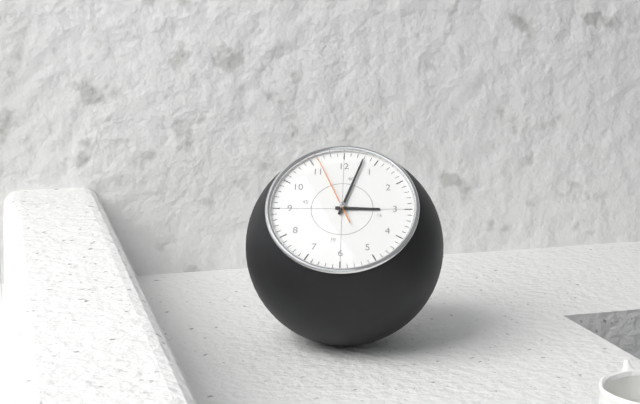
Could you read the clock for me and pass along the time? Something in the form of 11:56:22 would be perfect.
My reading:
3:03:56
